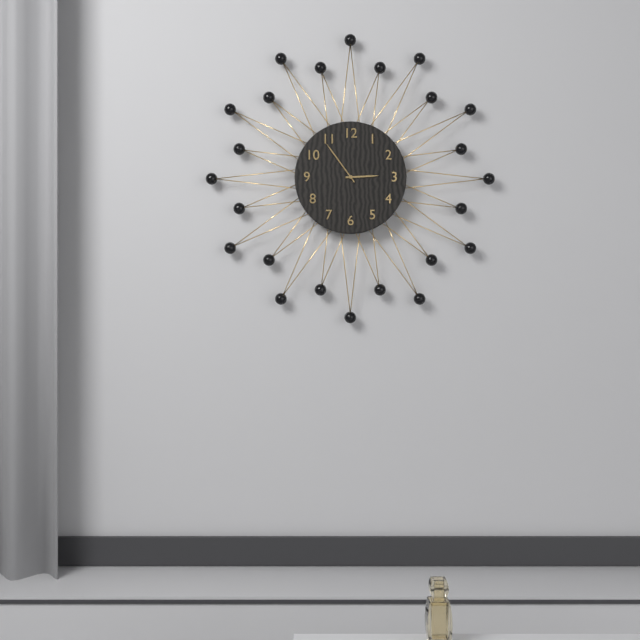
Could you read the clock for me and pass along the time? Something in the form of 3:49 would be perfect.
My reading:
2:54
